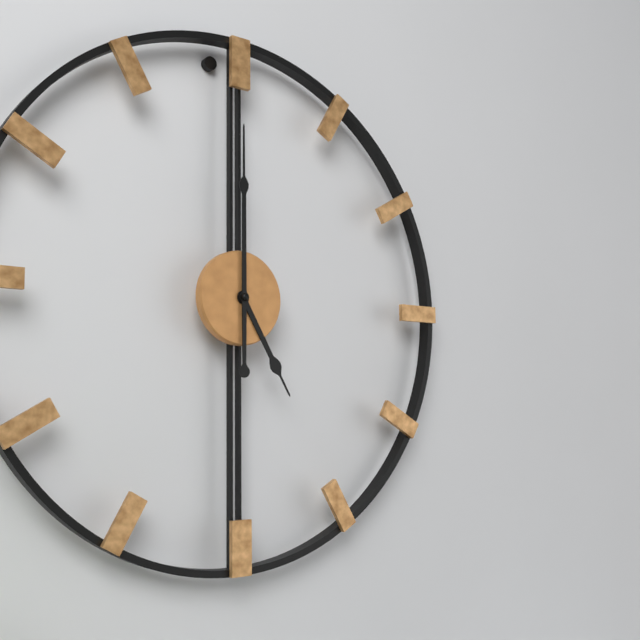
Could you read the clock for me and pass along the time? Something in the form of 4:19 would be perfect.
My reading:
5:00
